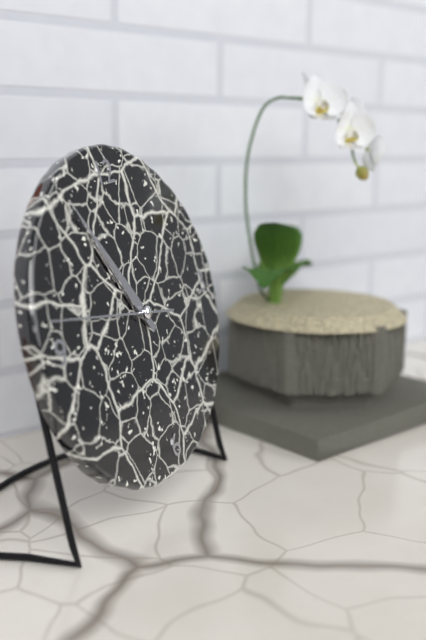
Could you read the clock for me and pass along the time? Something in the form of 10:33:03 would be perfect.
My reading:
10:55:47
